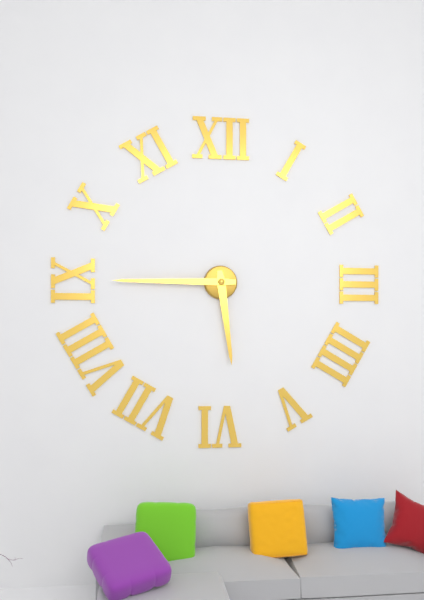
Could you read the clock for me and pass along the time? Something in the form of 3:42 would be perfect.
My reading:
5:45
